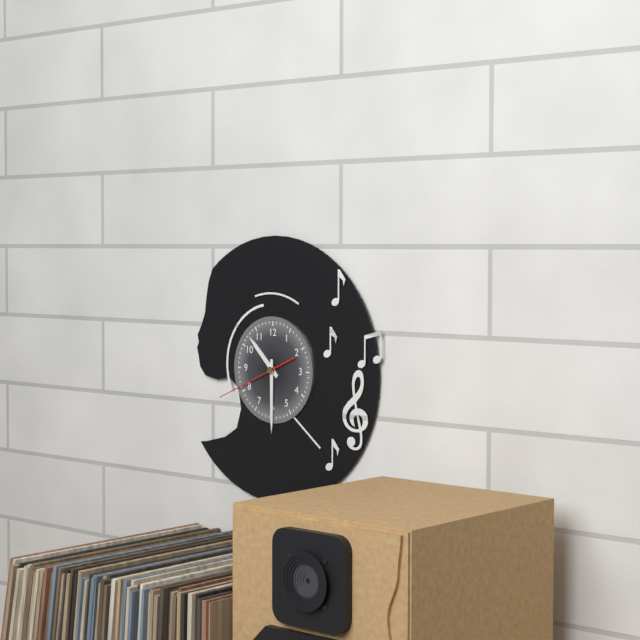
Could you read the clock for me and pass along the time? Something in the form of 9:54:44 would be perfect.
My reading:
10:30:41
